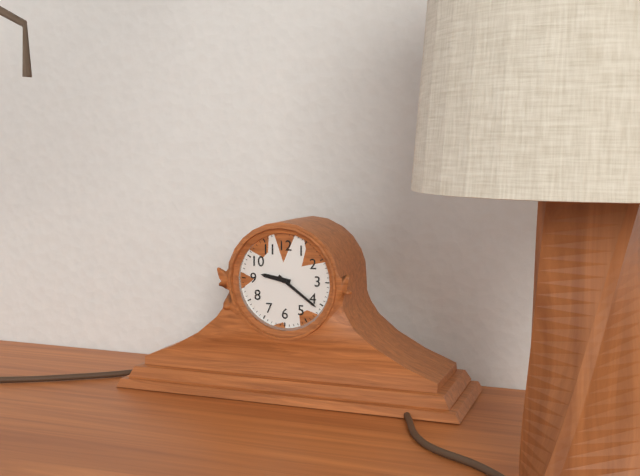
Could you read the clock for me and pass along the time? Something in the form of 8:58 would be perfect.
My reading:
9:21
